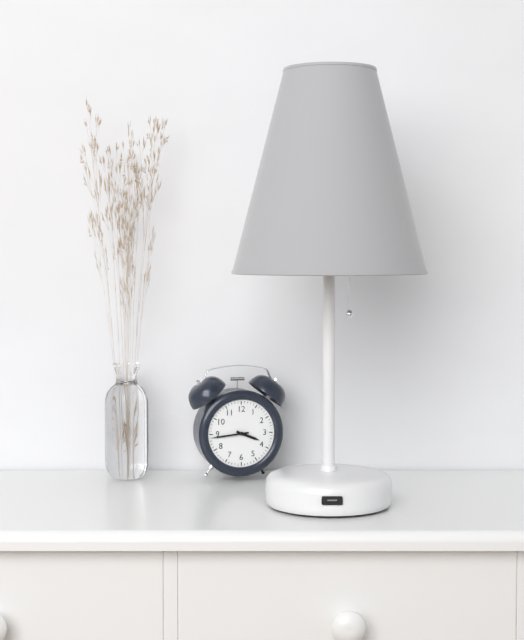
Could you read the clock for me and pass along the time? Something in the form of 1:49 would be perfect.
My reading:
3:44
